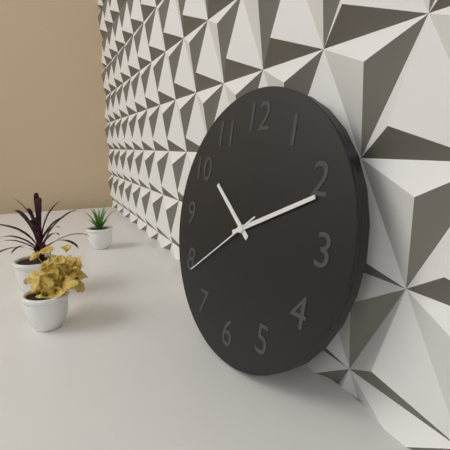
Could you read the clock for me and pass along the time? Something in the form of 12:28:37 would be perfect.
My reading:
10:11:39
